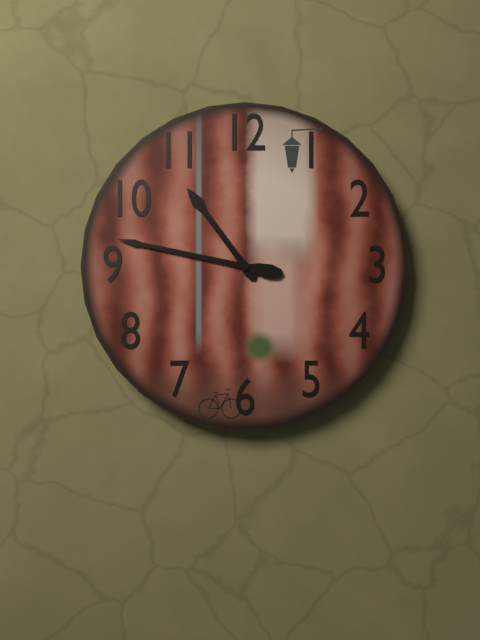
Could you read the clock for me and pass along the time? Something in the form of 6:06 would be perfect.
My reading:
10:47
